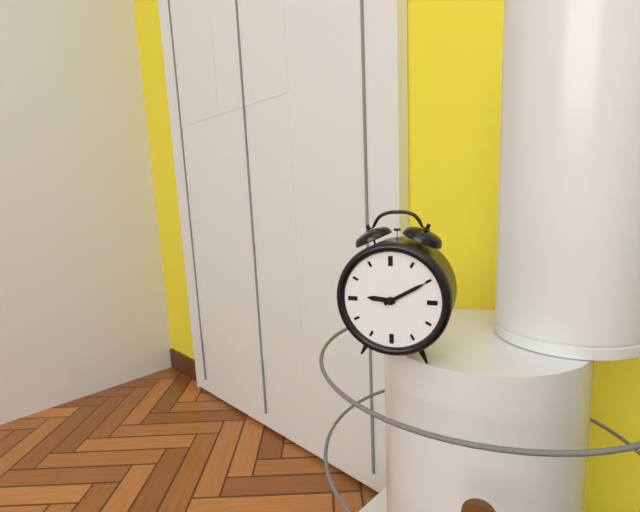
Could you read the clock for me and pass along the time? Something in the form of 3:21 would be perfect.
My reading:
9:10
